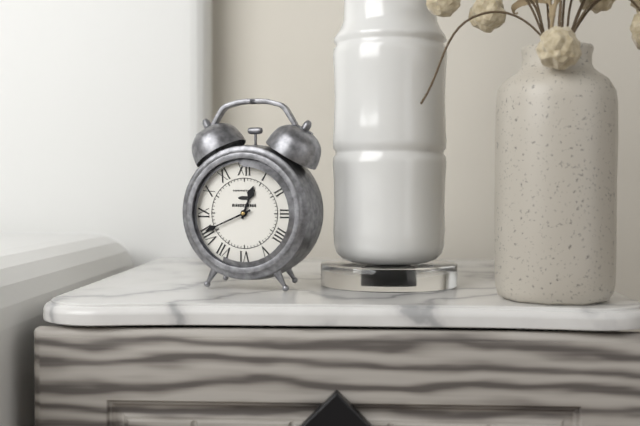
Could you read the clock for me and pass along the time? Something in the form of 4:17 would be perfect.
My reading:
12:41
